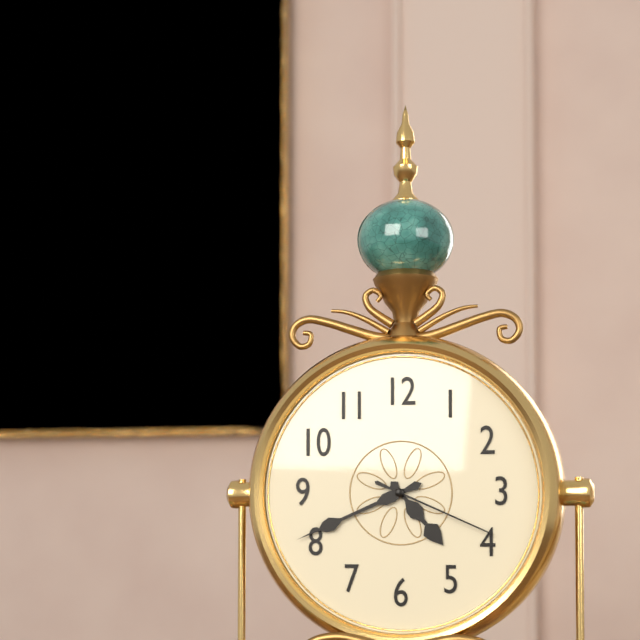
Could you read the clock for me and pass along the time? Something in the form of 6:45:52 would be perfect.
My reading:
4:41:19
